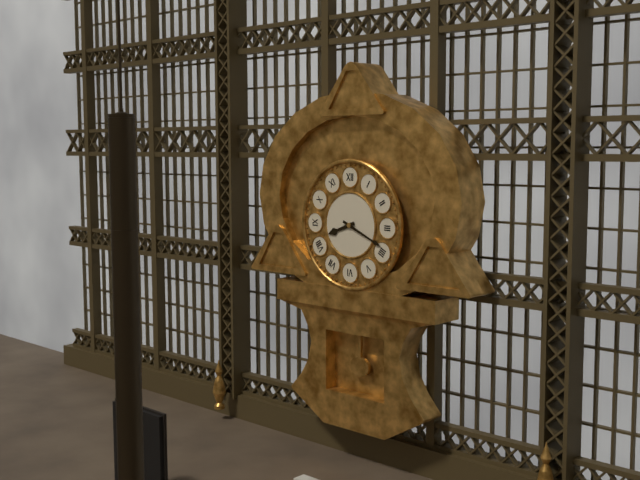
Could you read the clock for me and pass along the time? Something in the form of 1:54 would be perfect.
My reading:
8:19
